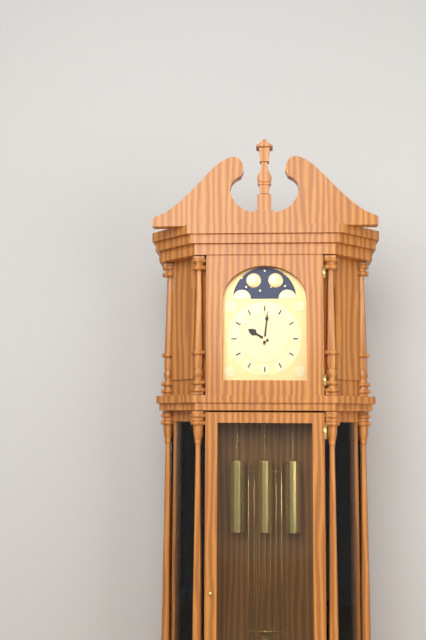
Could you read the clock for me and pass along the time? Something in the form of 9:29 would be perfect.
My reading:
10:01
